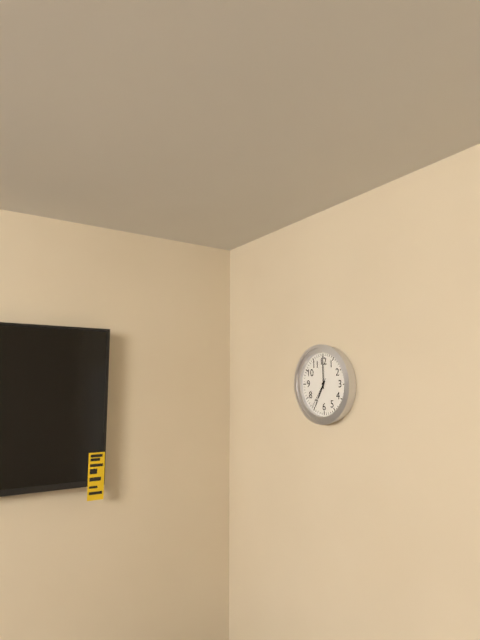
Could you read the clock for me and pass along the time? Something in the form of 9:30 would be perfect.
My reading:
7:00
